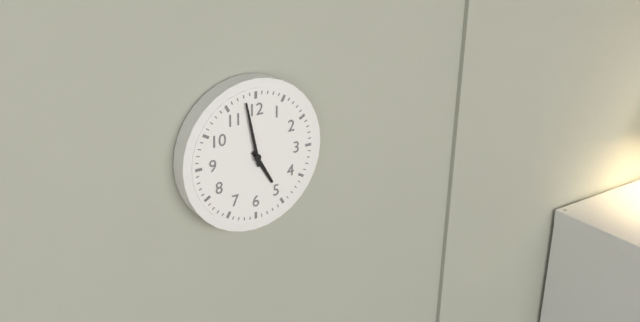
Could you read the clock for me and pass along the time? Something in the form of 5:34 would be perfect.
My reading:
4:58
